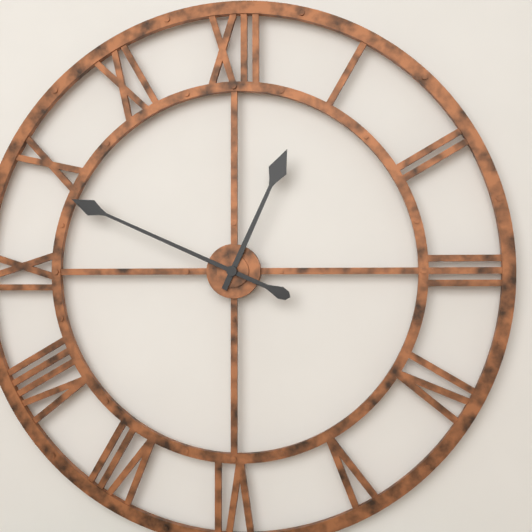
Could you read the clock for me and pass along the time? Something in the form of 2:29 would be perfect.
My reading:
12:49
